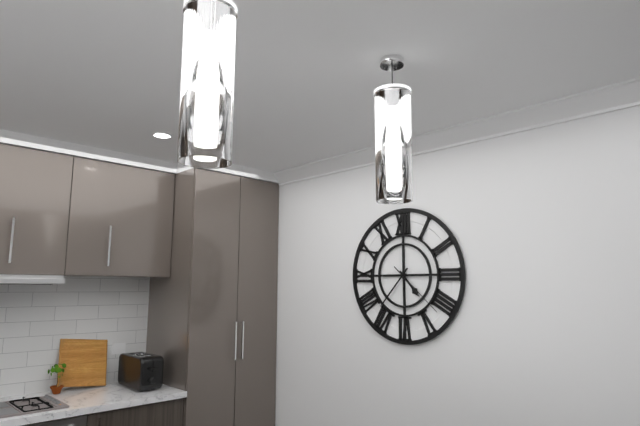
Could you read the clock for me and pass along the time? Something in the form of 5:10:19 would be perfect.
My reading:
4:37:22
